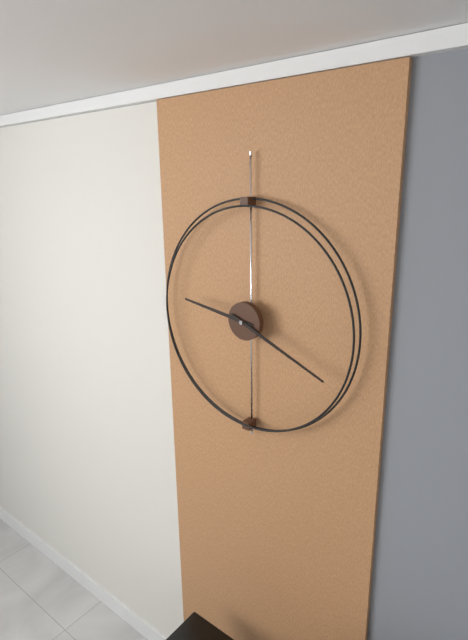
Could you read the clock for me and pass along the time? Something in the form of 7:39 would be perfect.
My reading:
9:19
